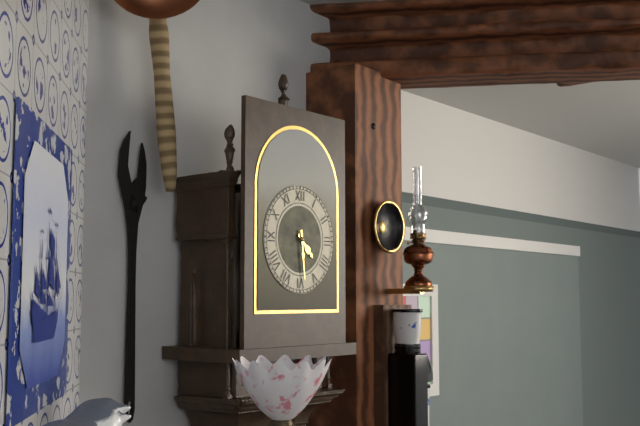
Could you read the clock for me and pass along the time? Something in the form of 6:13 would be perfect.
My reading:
4:29
